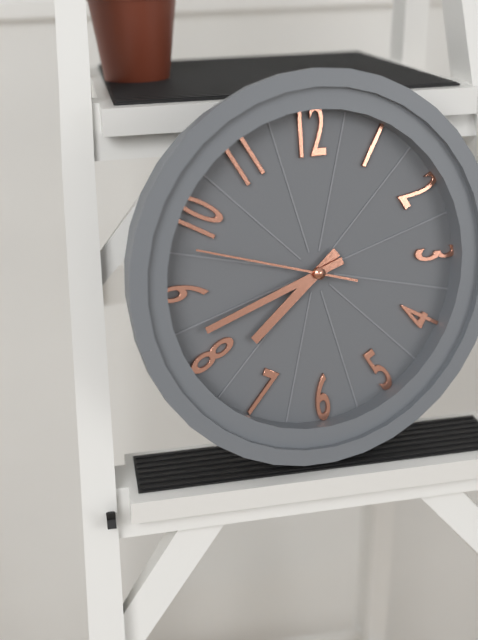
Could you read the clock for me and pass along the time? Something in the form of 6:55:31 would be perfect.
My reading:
7:42:48
